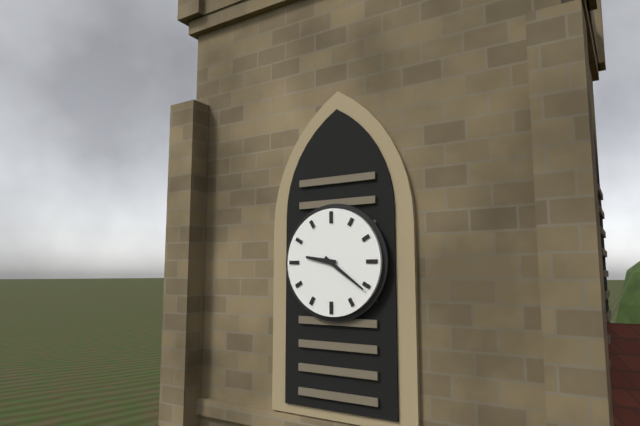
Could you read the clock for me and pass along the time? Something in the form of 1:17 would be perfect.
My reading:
9:21
